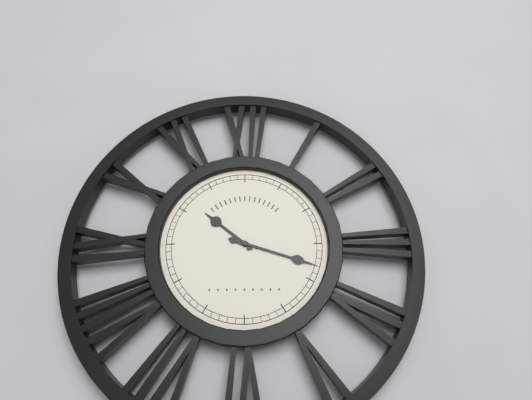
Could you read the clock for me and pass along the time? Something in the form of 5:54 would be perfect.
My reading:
10:18
